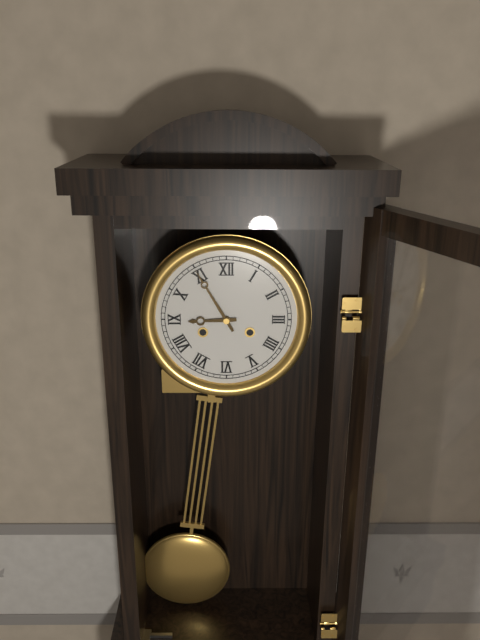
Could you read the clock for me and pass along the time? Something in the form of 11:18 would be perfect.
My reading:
8:55
